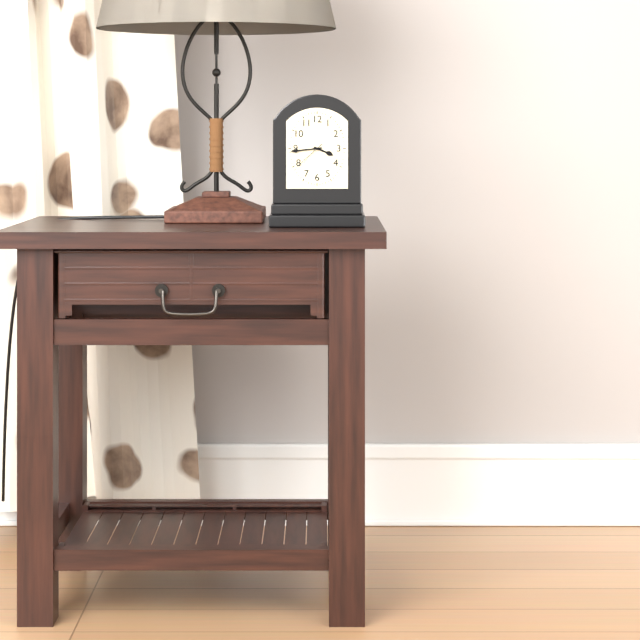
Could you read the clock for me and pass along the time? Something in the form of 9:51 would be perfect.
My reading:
3:44
